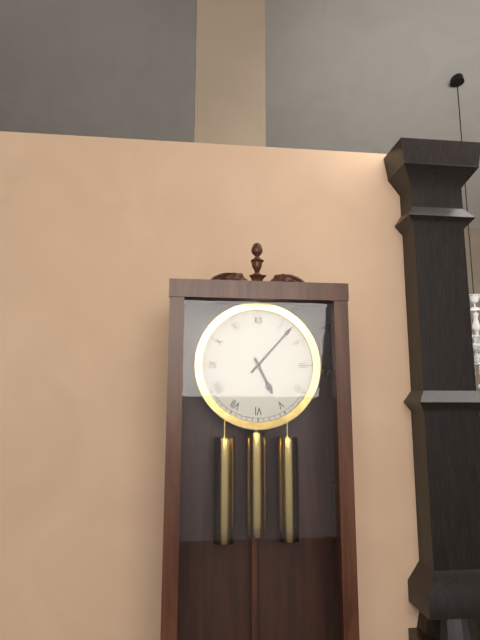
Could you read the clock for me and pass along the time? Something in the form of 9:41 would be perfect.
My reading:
5:07
